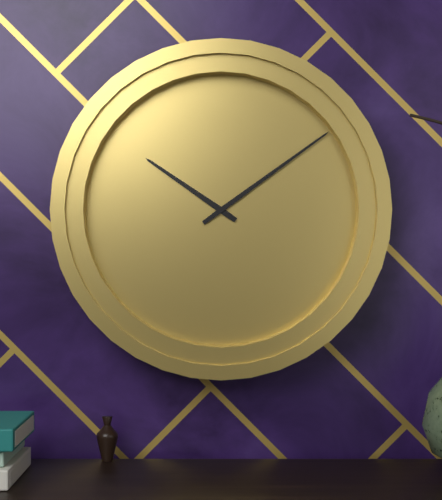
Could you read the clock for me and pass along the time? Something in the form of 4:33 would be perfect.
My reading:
10:09
